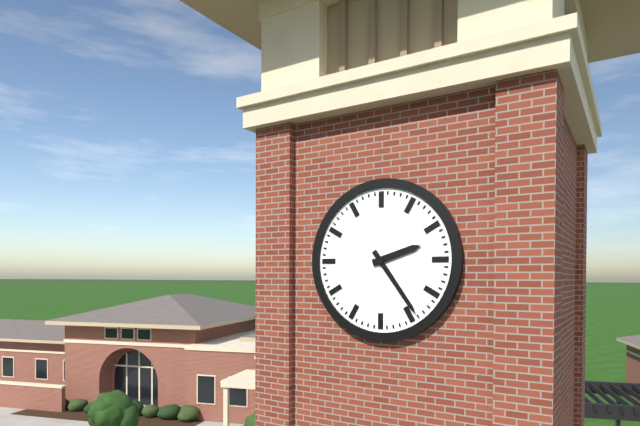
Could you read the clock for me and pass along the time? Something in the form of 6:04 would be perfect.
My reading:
2:24
